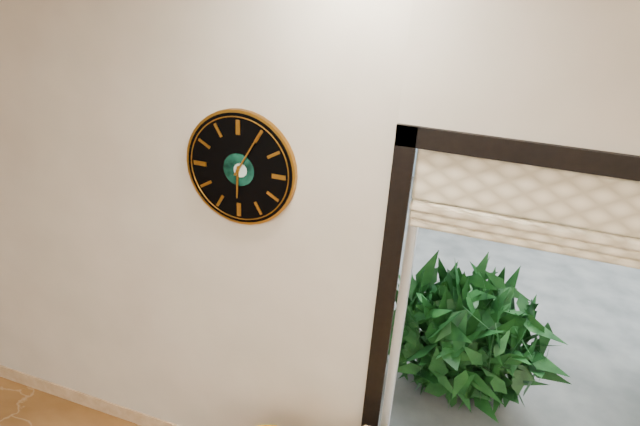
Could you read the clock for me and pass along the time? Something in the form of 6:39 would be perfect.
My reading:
6:05
